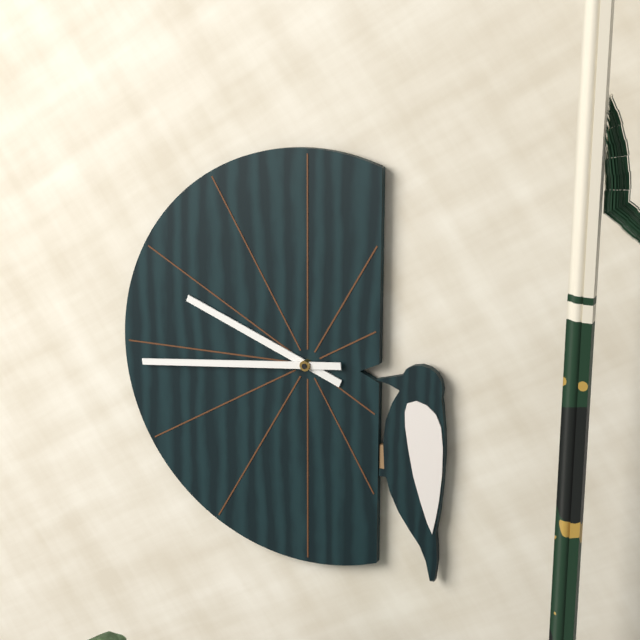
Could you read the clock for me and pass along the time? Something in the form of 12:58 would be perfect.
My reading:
9:44
